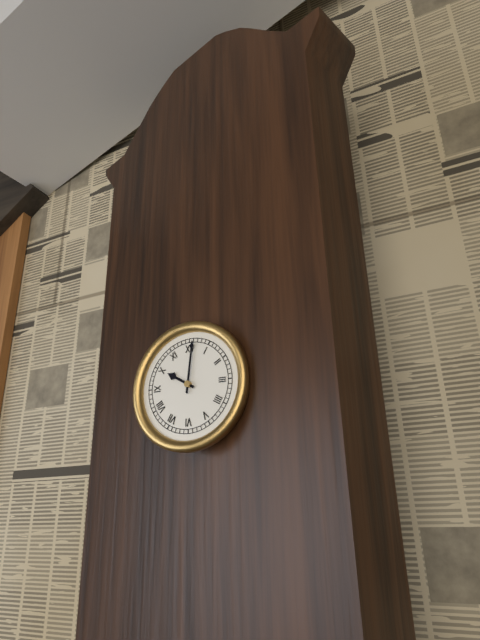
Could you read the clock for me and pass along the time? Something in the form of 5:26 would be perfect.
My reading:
10:01
